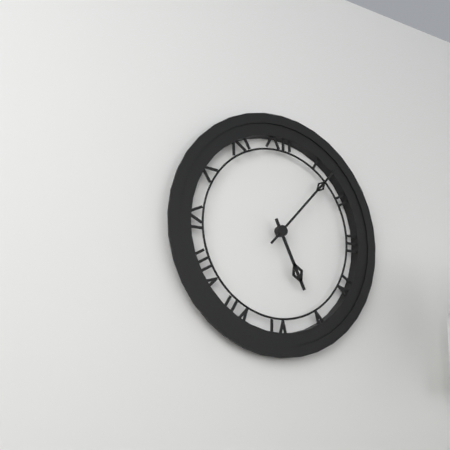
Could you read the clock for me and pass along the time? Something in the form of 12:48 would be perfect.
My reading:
5:07
